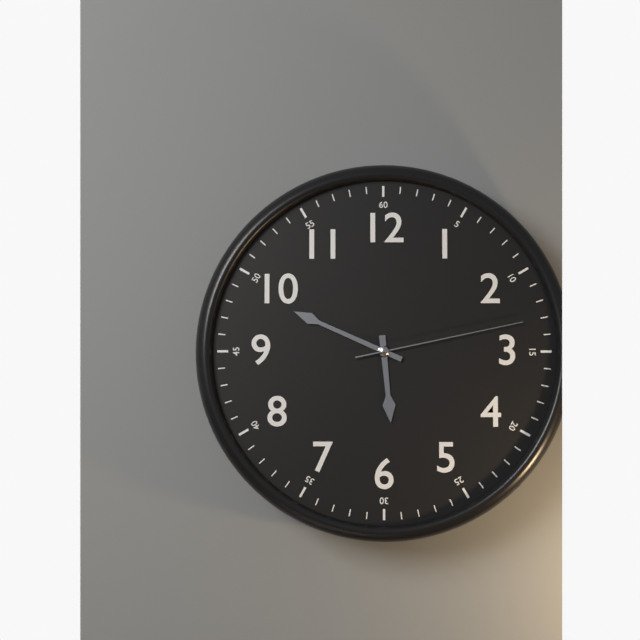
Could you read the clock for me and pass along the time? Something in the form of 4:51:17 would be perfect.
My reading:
5:49:13
